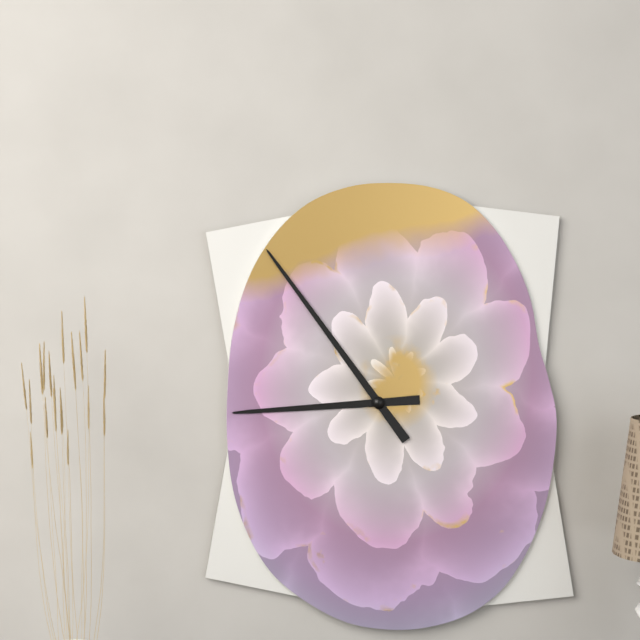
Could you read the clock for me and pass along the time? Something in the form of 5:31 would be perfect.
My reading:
8:54
